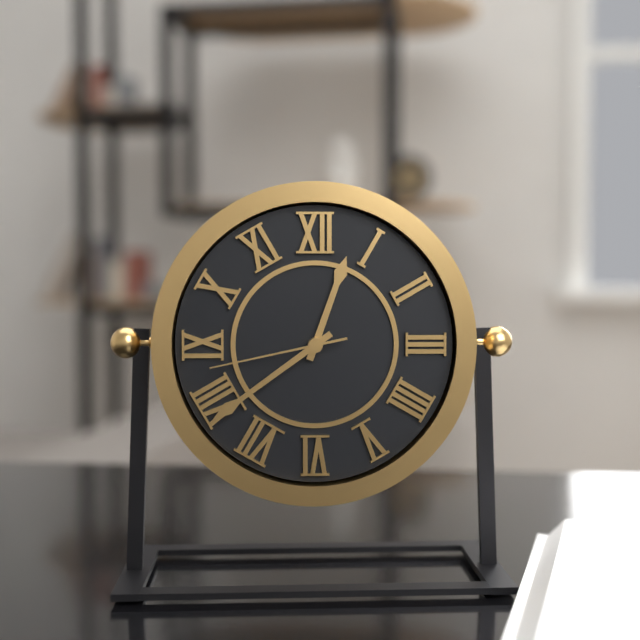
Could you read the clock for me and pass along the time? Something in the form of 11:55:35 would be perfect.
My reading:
12:39:43
